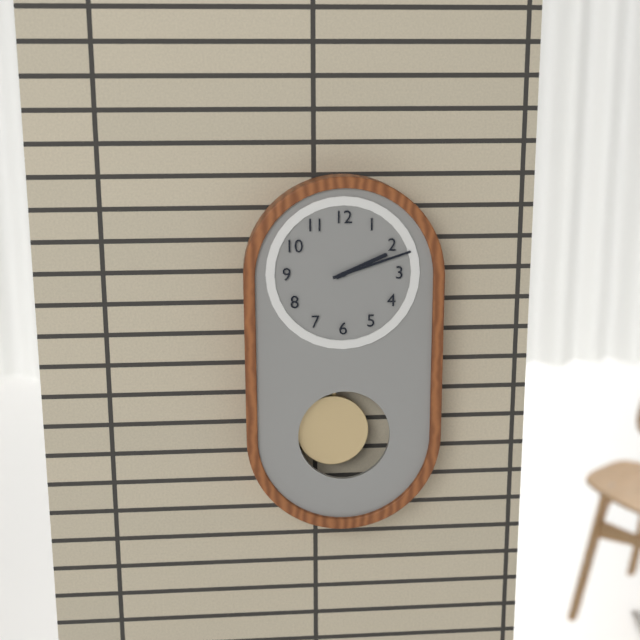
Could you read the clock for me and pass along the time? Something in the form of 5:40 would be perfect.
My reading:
2:12
